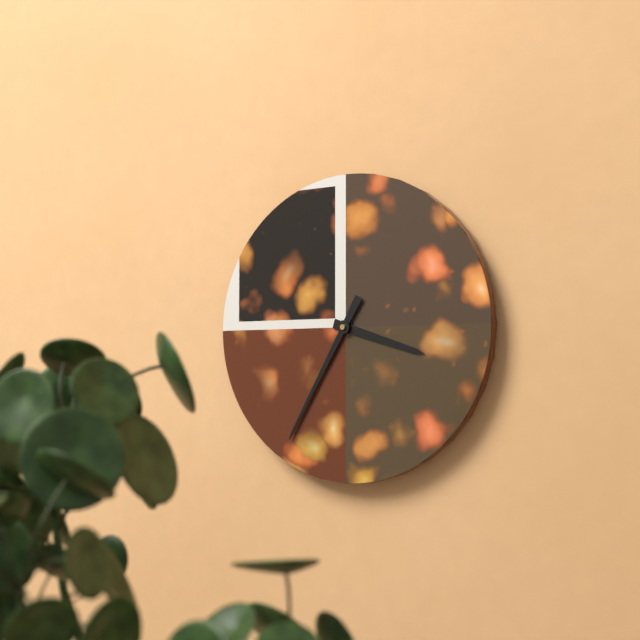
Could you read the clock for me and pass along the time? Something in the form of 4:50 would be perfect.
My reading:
3:35
